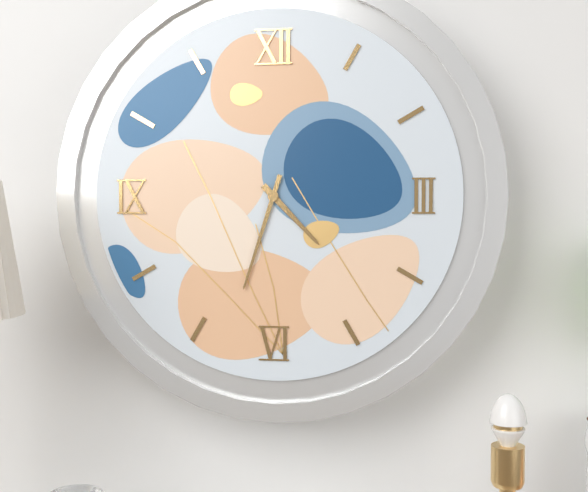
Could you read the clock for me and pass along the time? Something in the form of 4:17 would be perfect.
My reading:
4:33
